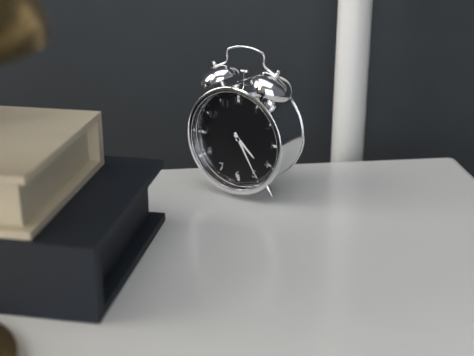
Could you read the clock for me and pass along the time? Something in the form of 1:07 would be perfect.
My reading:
4:25
